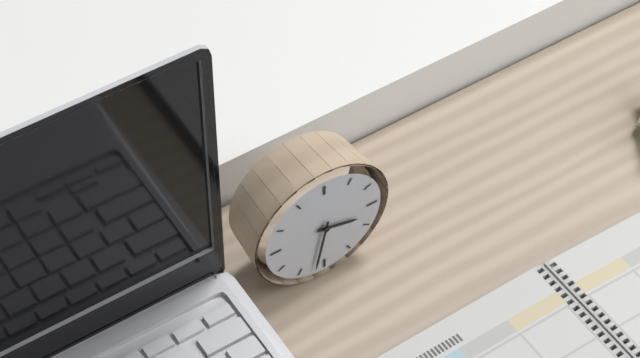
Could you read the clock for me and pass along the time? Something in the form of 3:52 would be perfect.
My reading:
3:32
